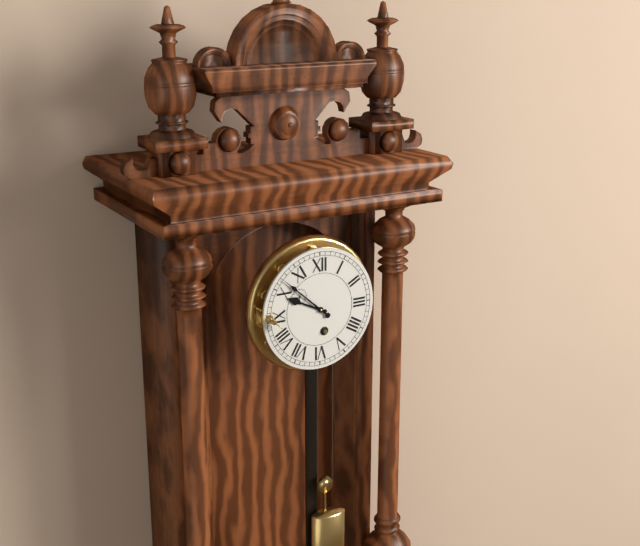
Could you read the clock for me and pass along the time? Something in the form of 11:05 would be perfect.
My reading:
9:52
